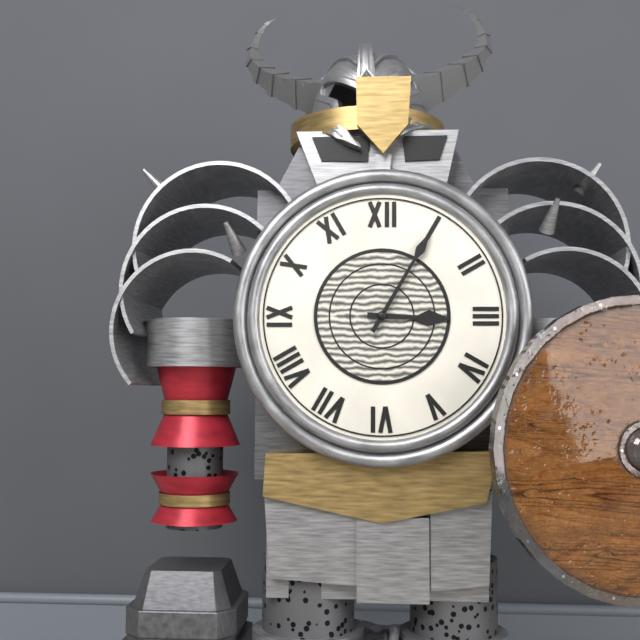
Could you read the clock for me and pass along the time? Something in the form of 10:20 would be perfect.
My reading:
3:05
